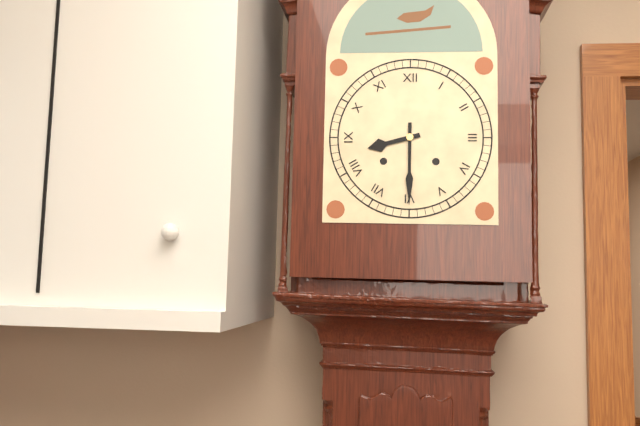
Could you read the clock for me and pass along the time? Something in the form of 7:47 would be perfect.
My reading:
8:30
